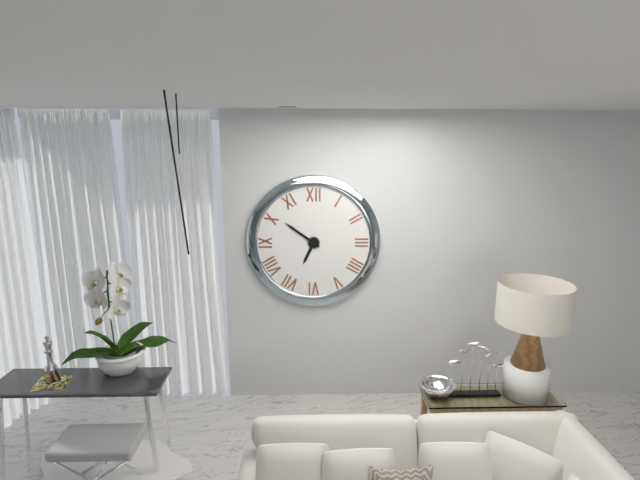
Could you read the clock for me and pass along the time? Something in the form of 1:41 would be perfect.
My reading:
6:51
